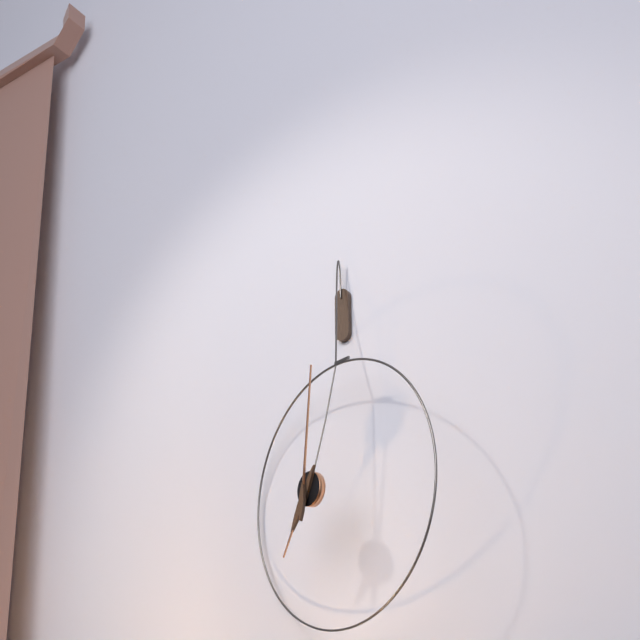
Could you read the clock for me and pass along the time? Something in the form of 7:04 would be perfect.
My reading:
7:01
